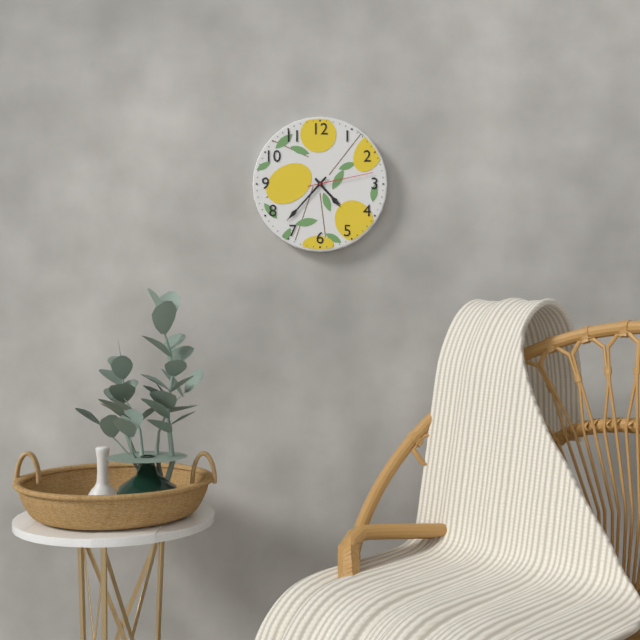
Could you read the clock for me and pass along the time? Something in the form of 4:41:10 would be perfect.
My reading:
4:37:13
